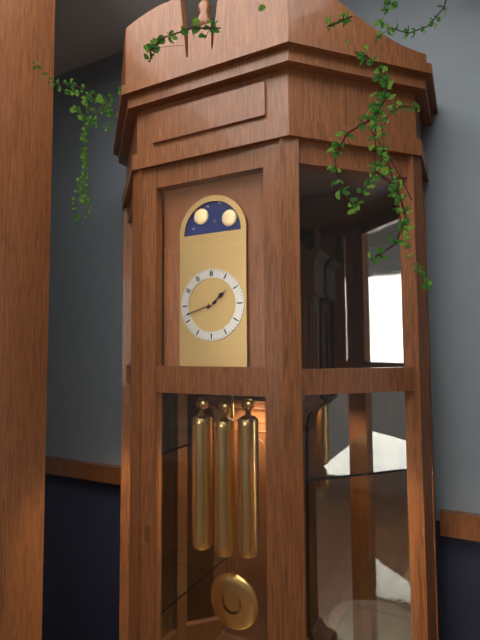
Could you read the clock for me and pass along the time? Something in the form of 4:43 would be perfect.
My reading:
1:42
